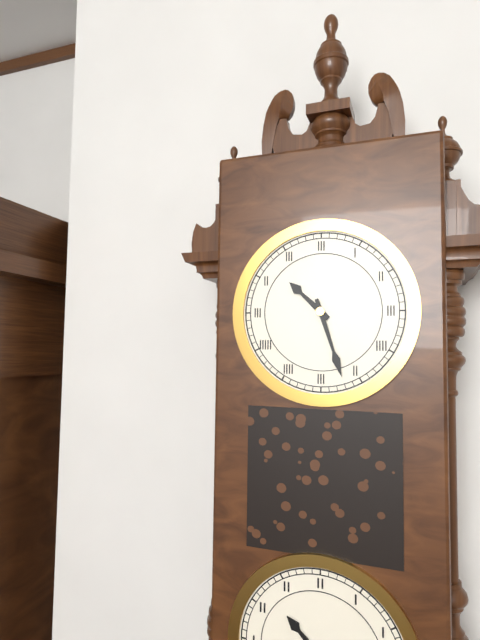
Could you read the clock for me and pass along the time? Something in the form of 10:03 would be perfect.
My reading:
10:27
